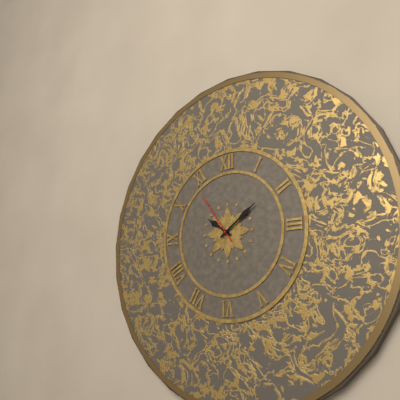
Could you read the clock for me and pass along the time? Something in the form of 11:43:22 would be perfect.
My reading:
10:09:54
